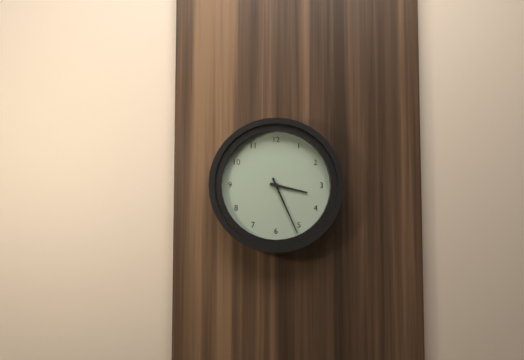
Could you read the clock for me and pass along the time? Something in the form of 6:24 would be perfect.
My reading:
3:26
